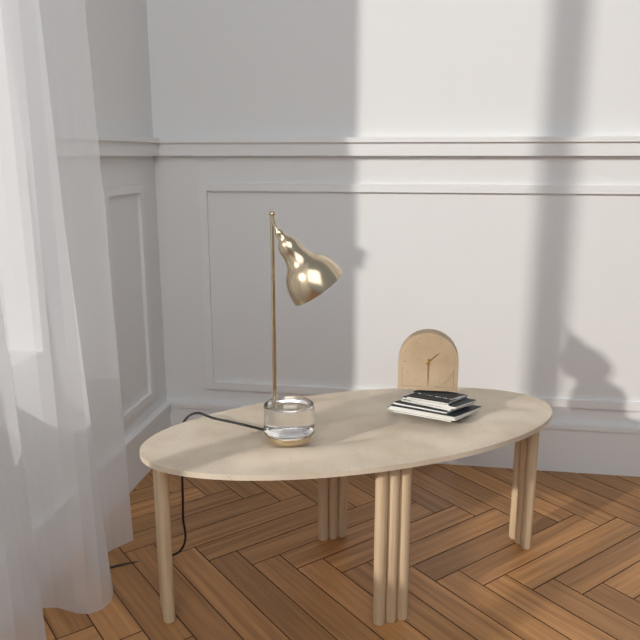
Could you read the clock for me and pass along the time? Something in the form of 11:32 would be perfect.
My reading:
1:30
